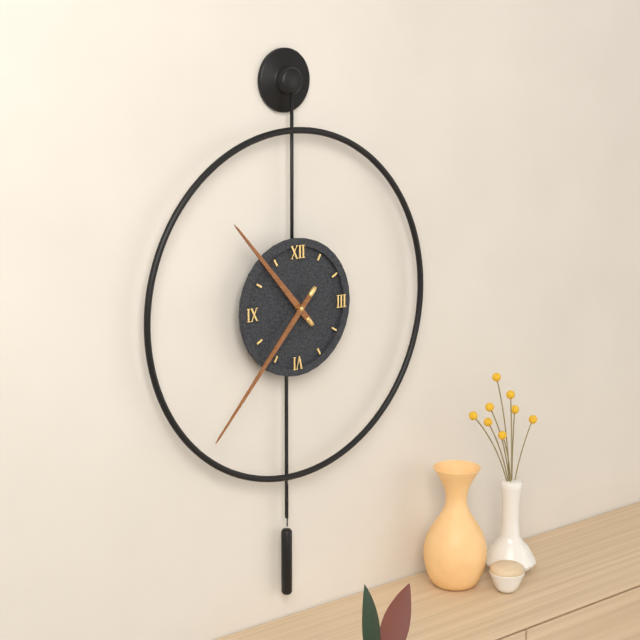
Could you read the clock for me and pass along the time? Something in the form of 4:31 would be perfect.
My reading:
10:37
